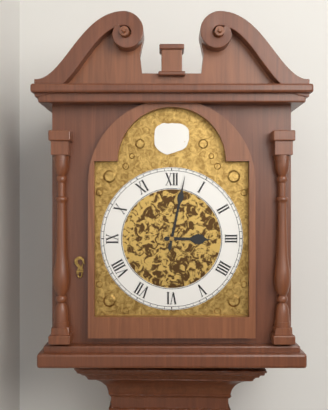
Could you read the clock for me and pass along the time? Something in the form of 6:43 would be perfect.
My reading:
3:02
